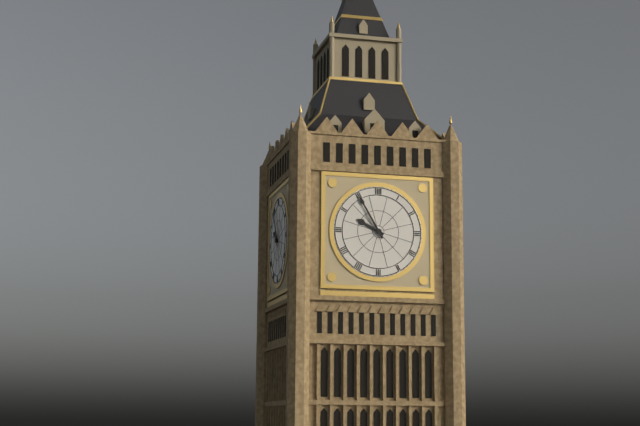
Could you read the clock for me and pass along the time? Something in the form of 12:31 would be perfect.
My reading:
9:55
